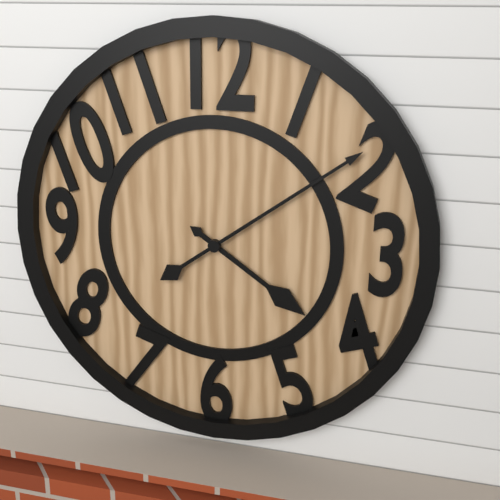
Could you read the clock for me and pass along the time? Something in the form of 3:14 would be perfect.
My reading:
4:09
